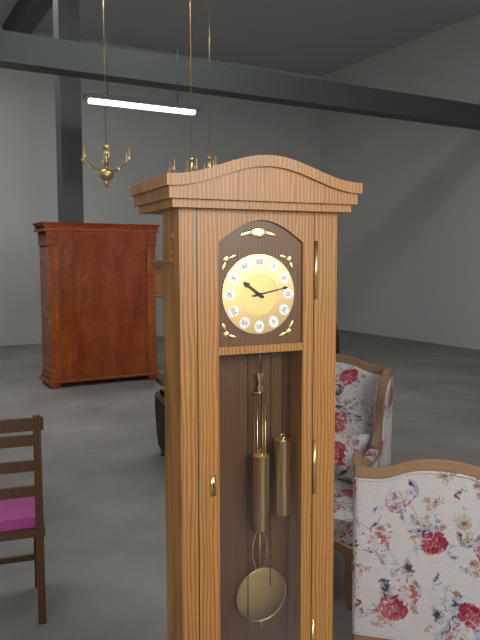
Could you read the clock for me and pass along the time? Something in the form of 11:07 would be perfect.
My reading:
10:13
